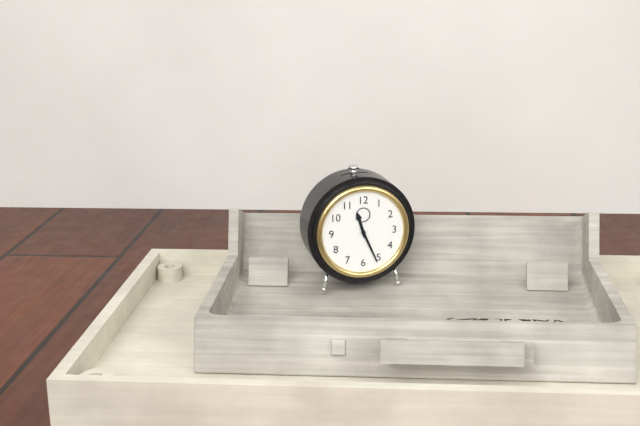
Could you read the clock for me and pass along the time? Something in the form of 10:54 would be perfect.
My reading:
11:26
